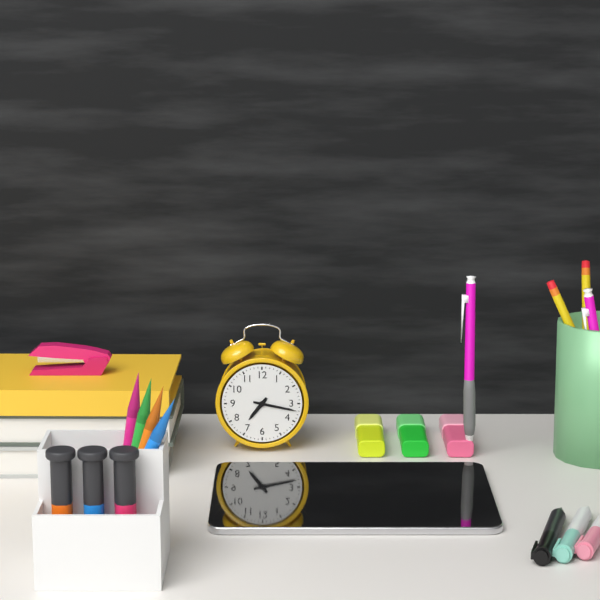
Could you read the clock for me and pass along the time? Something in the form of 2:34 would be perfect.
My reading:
7:17
